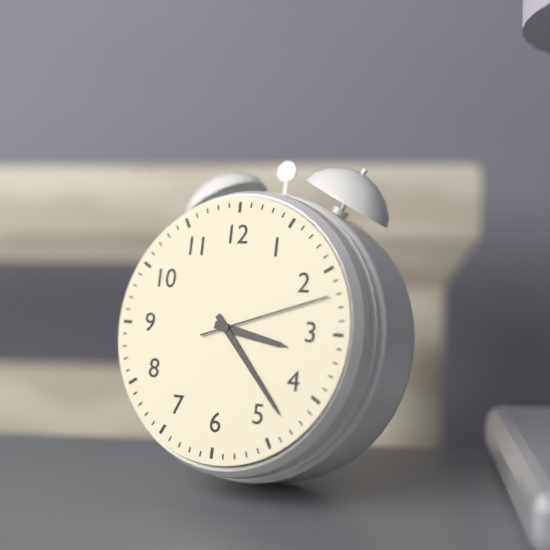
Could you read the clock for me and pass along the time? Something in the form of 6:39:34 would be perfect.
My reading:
3:23:12
